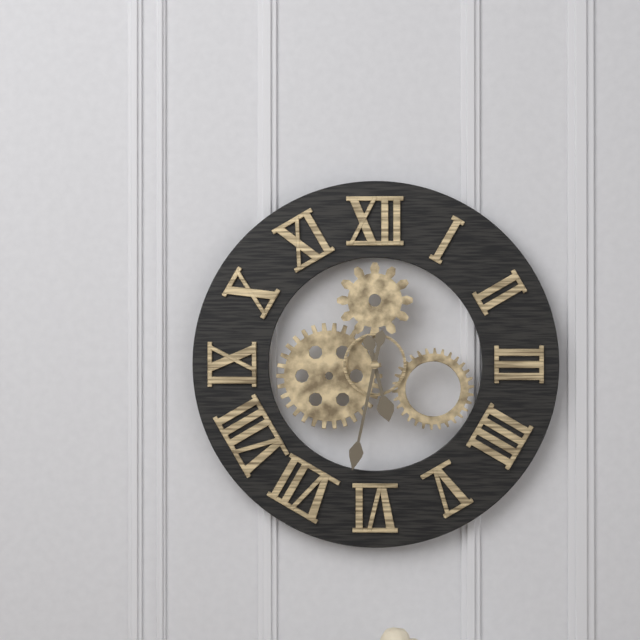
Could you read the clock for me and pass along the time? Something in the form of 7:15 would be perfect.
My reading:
5:32
